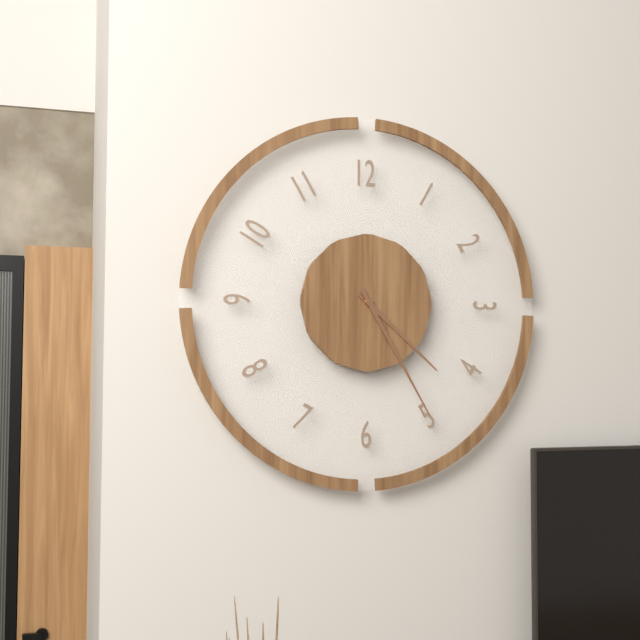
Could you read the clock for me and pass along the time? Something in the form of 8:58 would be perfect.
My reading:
4:25
